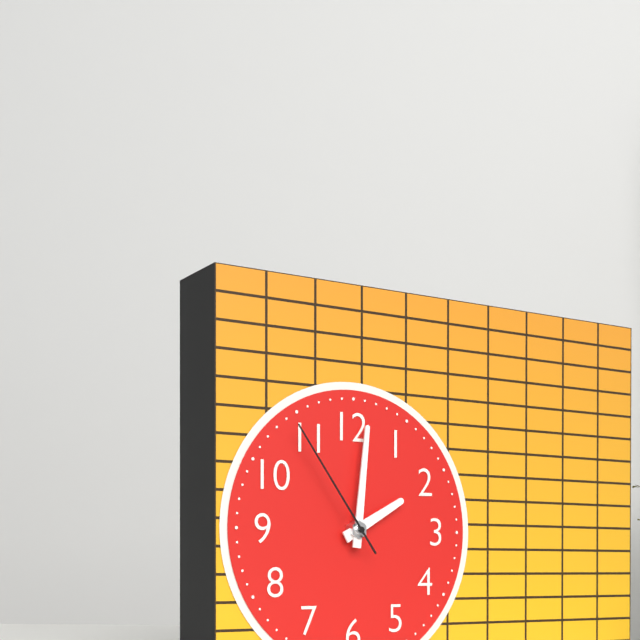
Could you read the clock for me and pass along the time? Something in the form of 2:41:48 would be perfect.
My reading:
2:01:54
